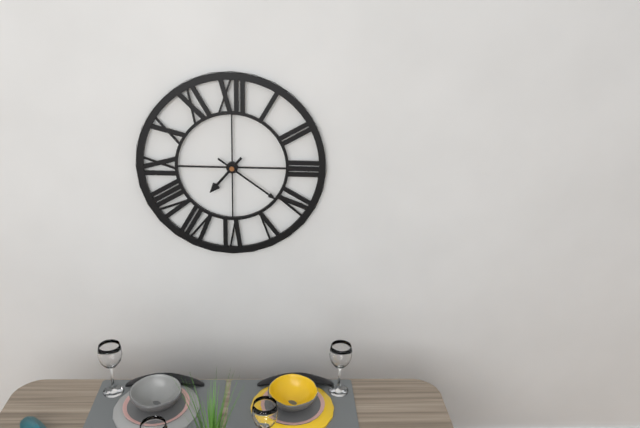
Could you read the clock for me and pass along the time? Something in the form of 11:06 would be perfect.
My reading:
7:21
